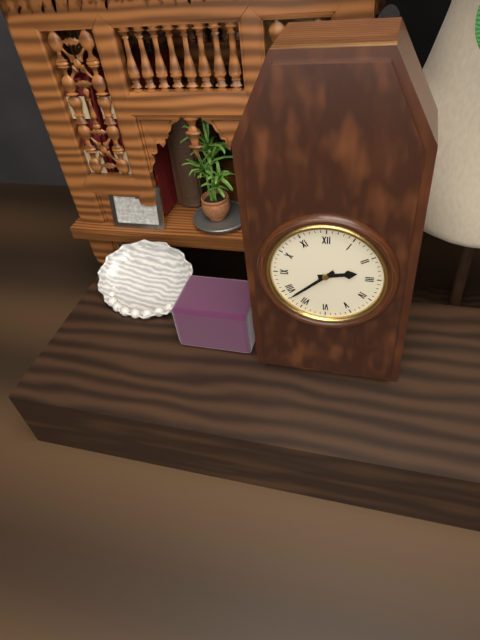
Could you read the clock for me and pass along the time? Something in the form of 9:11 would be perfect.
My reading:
2:38
